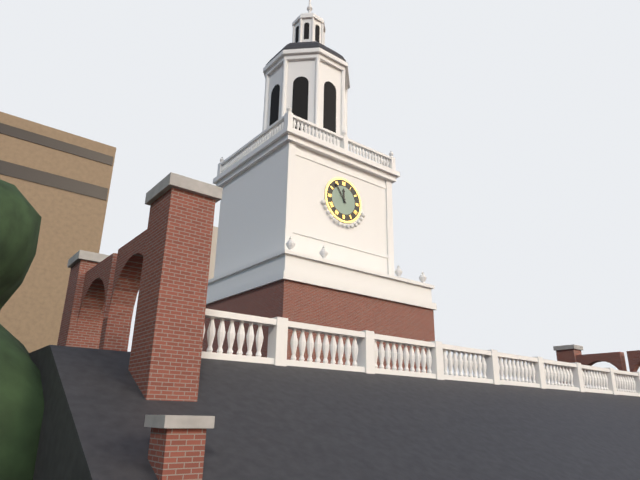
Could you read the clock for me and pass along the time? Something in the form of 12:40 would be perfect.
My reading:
11:54
